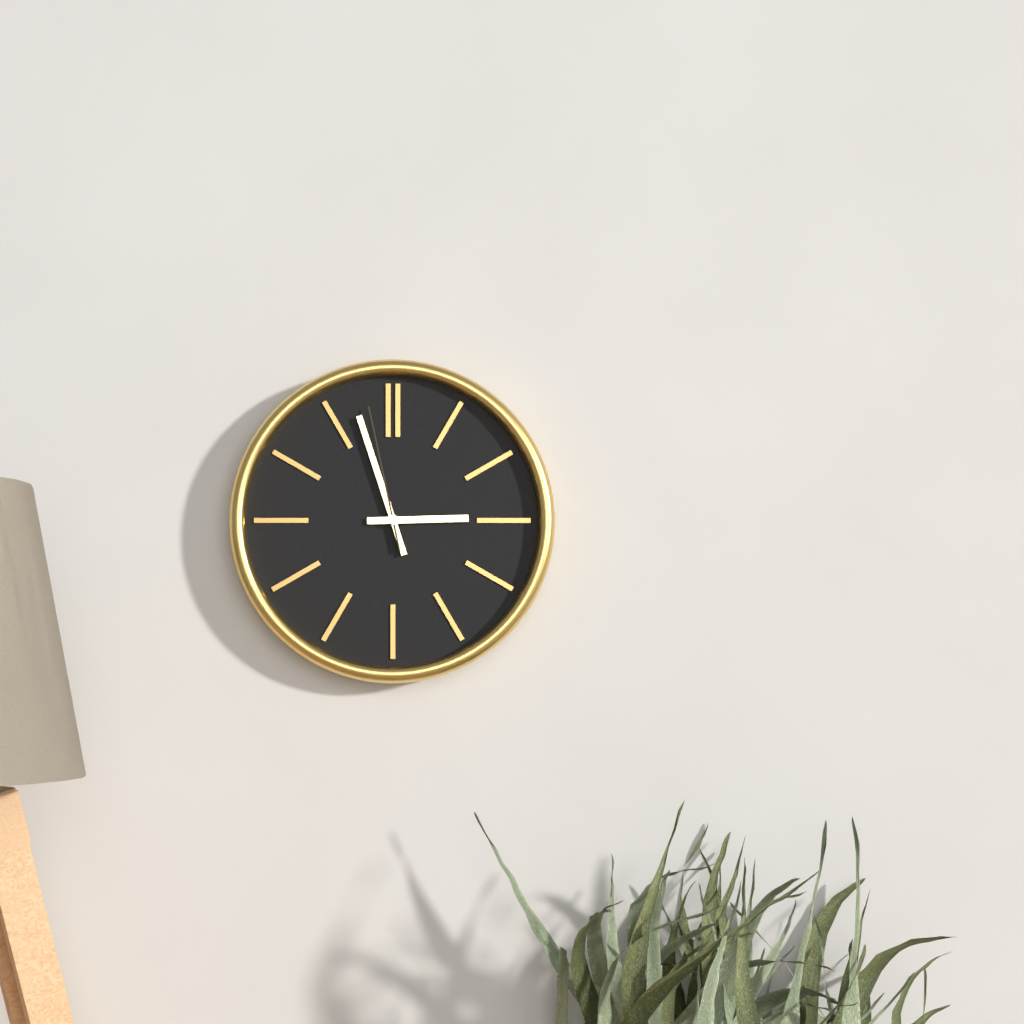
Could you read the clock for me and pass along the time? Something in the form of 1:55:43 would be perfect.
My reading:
2:57:58
